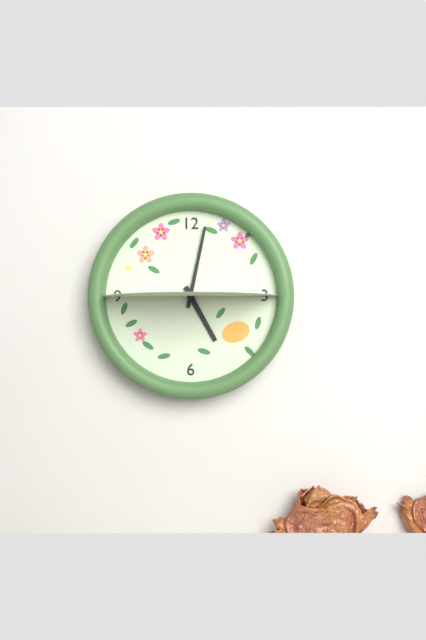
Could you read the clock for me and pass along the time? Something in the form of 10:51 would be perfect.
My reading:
5:02
